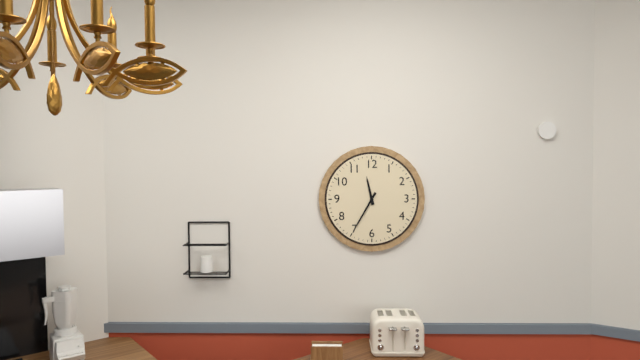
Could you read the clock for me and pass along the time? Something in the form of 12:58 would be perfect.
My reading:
11:35
